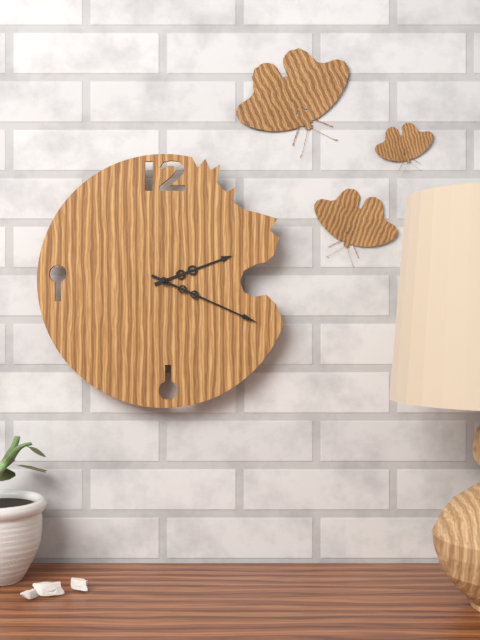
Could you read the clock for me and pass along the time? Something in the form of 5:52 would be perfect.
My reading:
2:19
